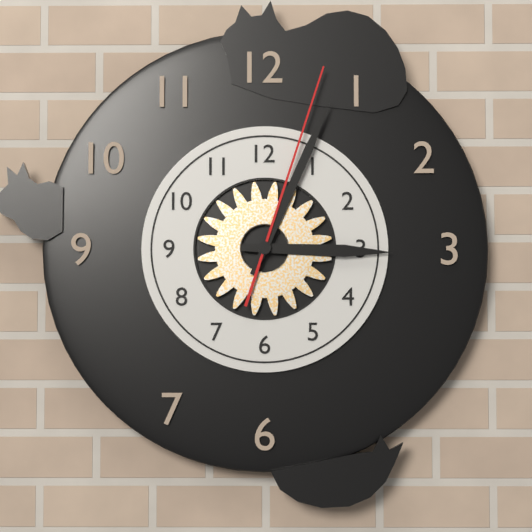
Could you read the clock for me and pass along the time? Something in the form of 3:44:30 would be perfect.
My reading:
3:04:03
